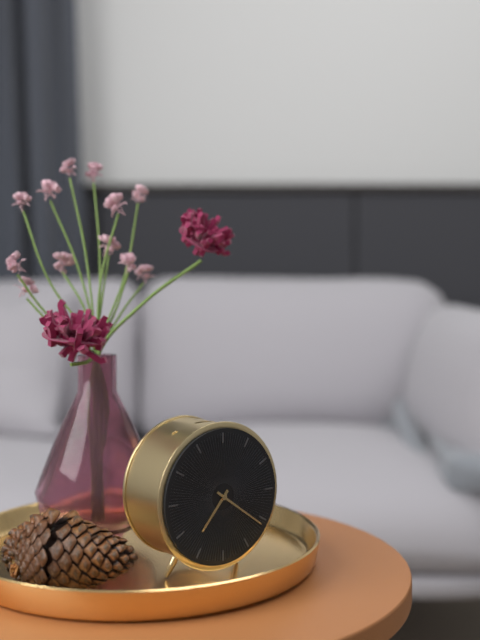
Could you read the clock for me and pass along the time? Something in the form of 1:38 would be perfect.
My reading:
7:21
